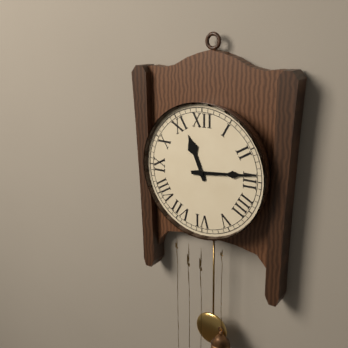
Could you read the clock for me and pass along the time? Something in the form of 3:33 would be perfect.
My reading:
11:14
